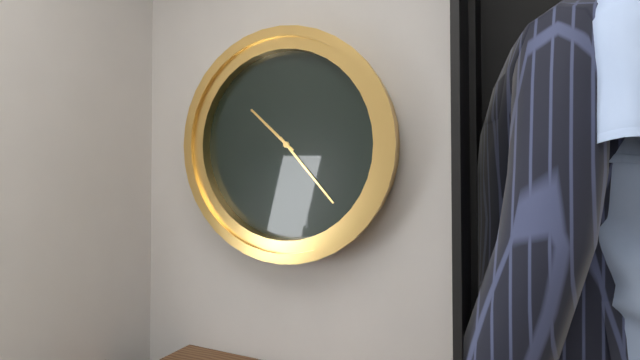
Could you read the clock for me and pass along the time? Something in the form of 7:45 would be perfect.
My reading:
10:23
